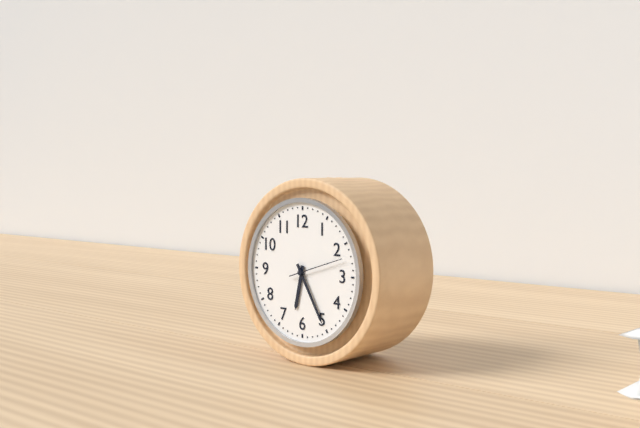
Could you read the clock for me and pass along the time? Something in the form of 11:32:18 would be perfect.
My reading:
6:25:12
